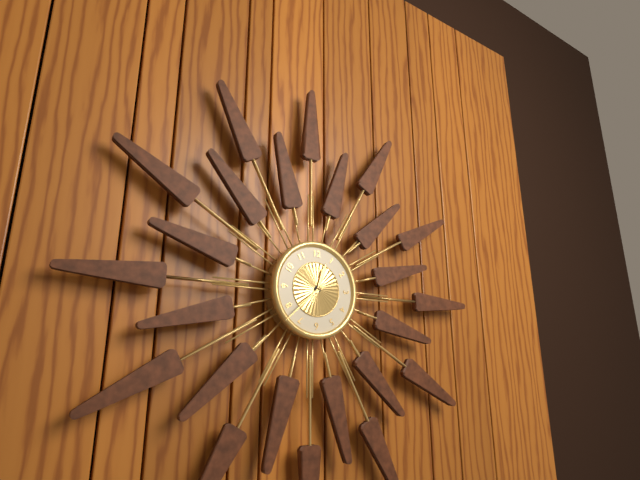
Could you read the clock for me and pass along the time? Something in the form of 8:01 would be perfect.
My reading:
12:38
